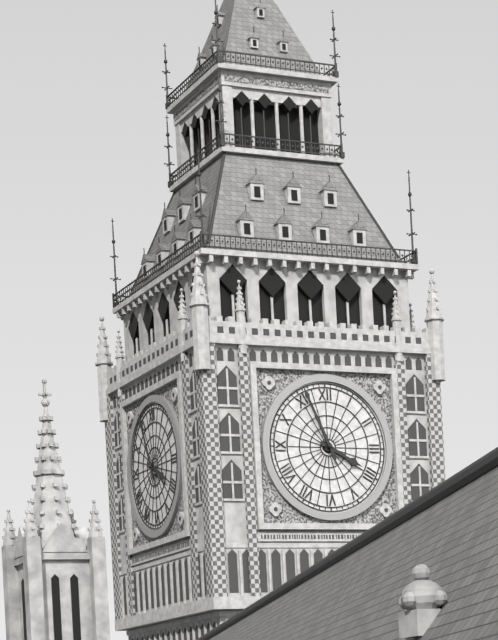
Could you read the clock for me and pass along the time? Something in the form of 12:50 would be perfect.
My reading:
3:56
